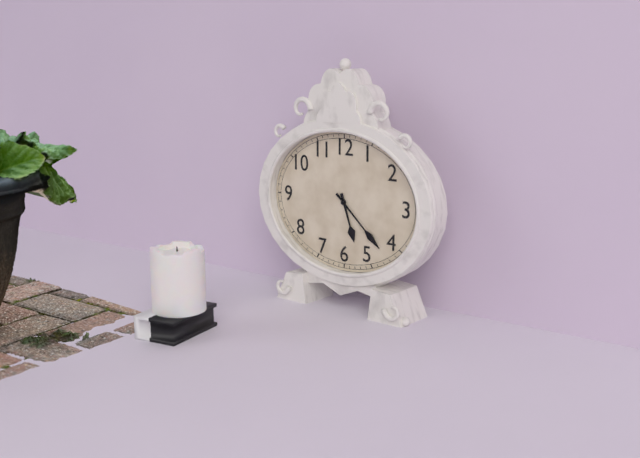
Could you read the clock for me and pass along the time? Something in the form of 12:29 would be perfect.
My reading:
5:22
